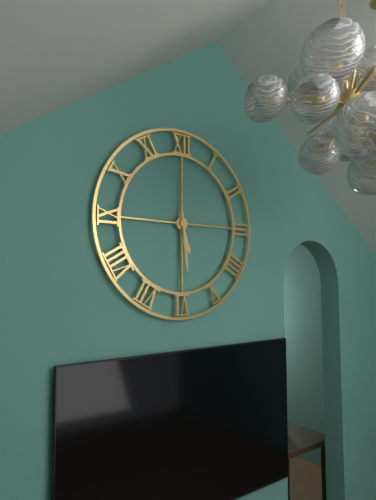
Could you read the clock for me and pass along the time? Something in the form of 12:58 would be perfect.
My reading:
5:29
